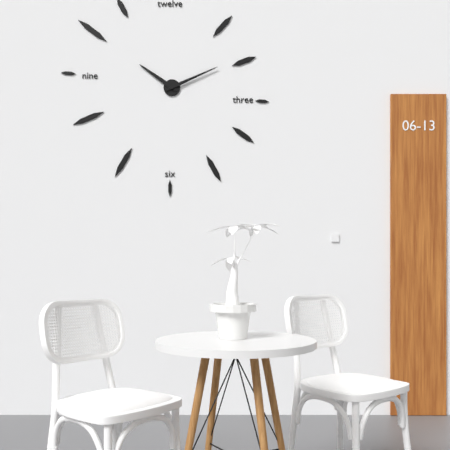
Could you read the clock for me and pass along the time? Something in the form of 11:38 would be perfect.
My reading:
10:11
